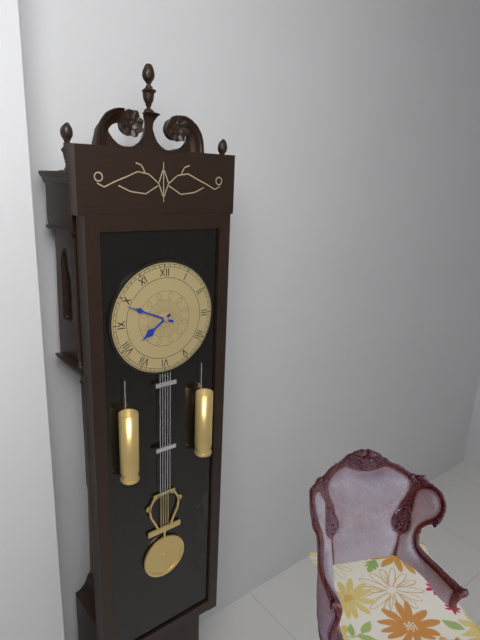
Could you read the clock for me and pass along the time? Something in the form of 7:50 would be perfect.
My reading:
7:49
